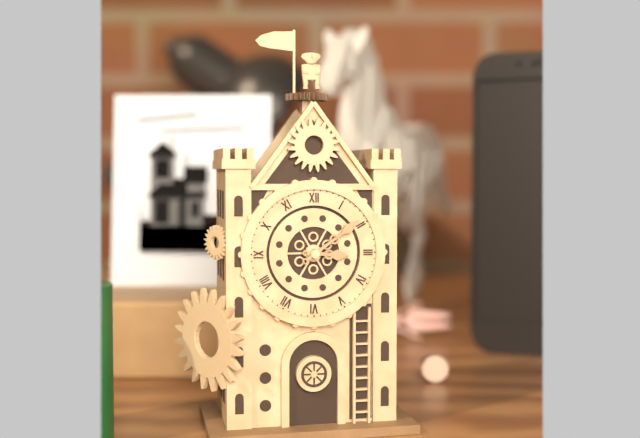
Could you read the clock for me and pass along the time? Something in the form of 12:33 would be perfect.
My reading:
3:09
